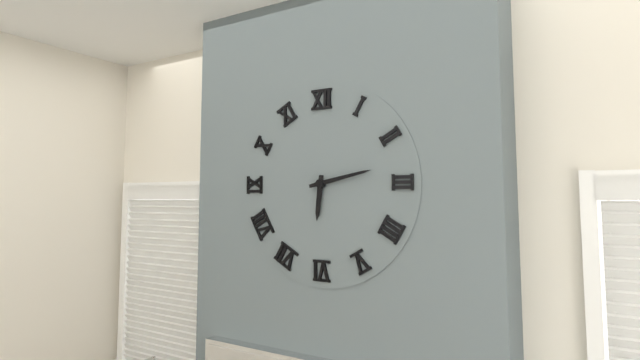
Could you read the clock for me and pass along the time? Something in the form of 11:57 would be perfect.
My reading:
6:13
